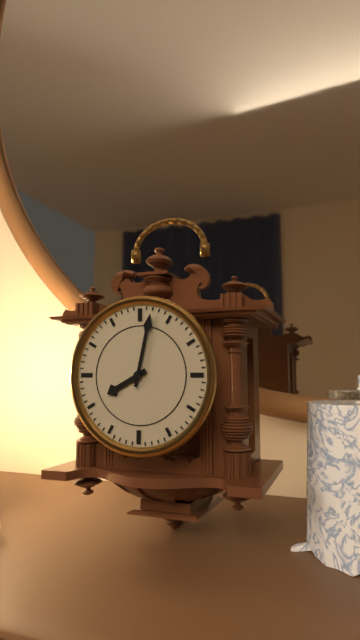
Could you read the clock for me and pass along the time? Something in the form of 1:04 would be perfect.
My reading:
8:02
